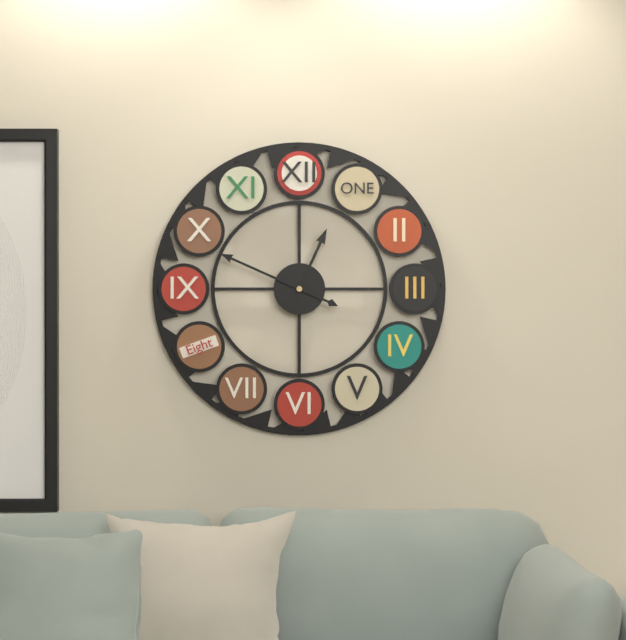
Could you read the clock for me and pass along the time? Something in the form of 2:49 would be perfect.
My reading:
12:49
